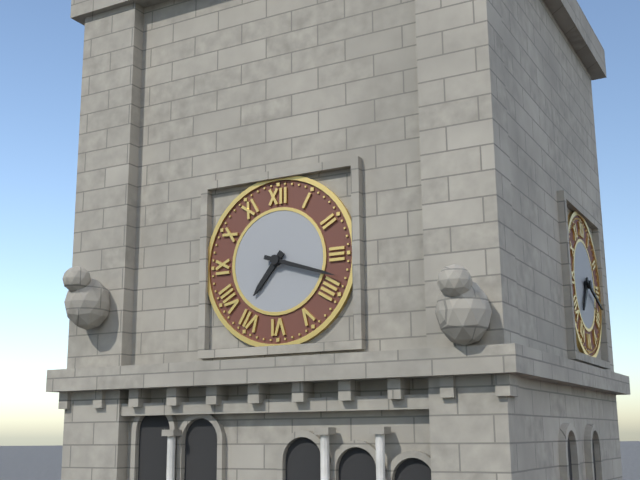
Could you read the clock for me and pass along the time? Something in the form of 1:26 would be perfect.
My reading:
7:18
